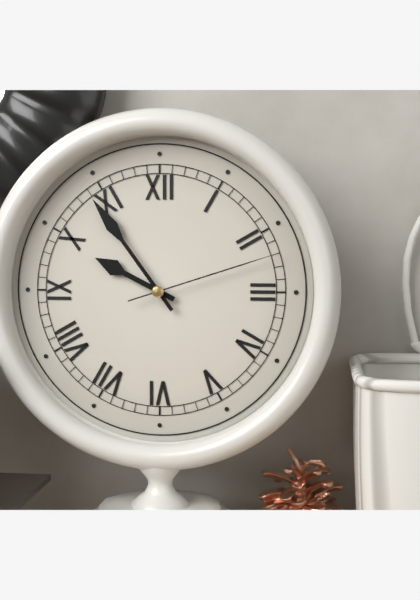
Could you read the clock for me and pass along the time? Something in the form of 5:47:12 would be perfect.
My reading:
9:54:12
